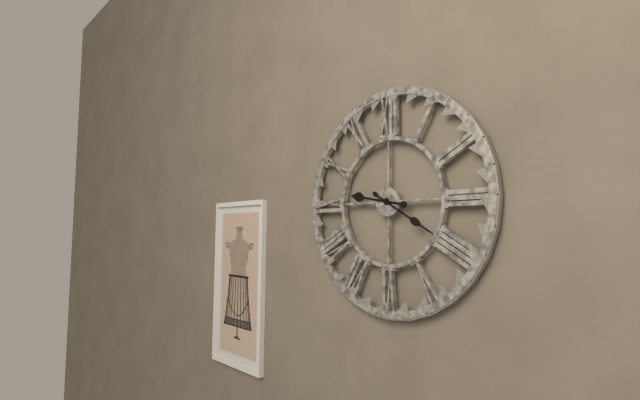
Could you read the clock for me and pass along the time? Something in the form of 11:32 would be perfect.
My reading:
9:20
